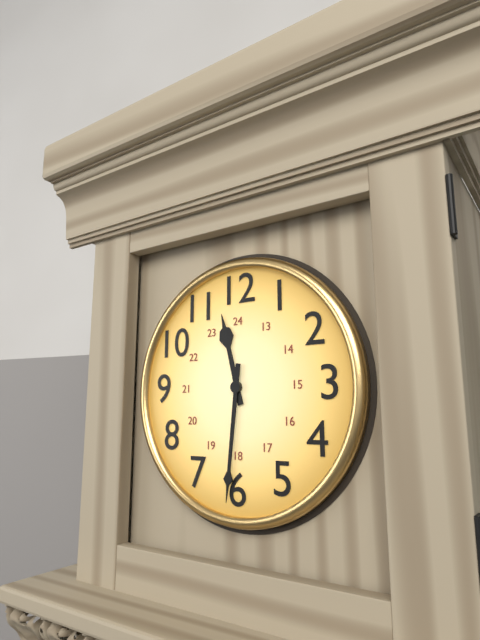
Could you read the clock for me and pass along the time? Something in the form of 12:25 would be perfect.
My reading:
11:31
